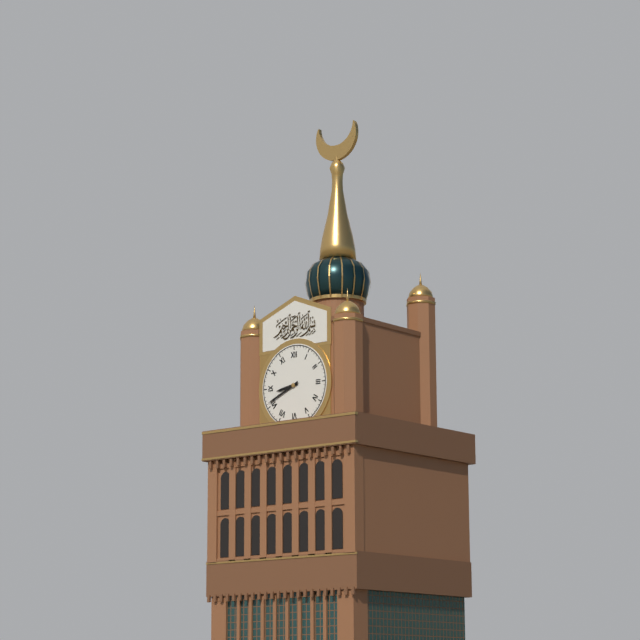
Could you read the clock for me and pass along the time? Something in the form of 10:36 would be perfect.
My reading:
8:41
